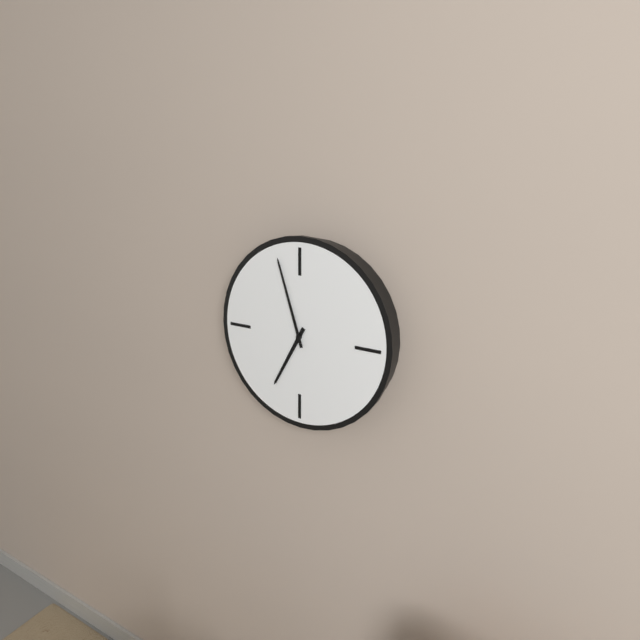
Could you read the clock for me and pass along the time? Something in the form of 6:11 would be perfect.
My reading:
6:57
